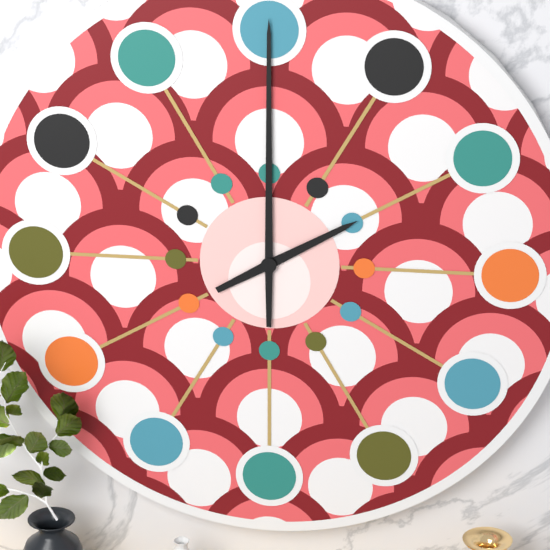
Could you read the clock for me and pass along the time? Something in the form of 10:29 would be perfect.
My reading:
2:00
